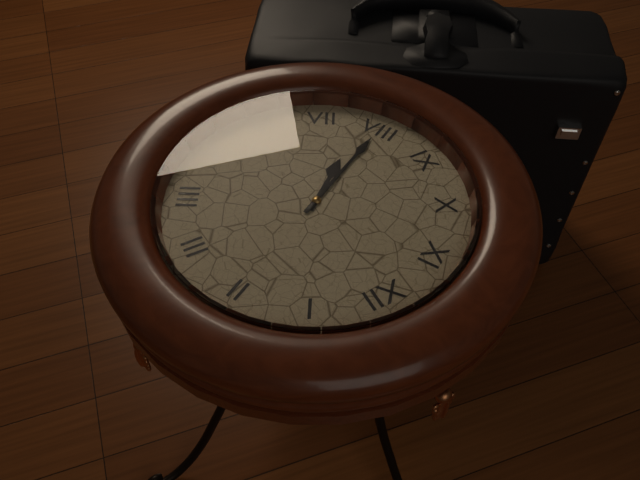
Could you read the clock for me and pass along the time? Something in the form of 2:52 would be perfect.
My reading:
7:40
